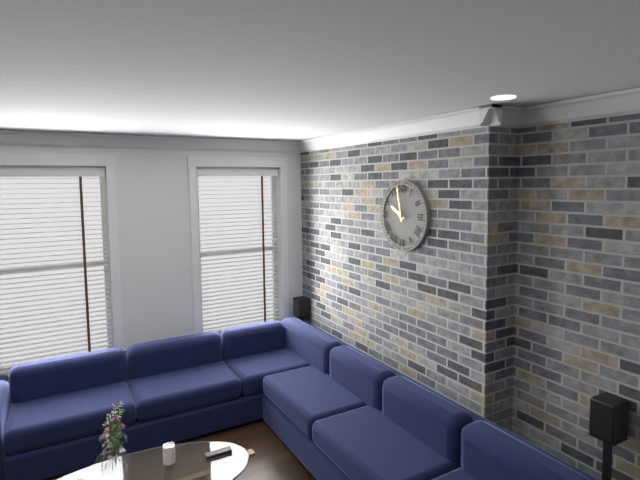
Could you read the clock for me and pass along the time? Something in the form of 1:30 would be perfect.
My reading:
9:58
